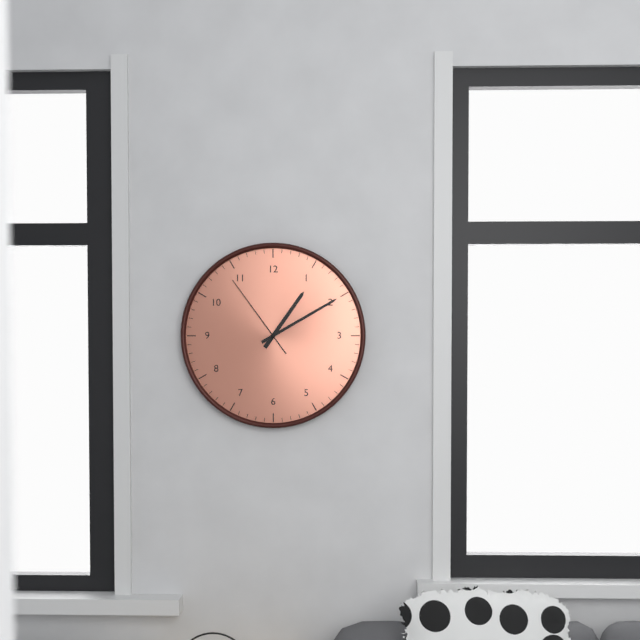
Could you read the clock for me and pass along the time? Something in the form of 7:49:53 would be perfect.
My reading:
1:10:54
